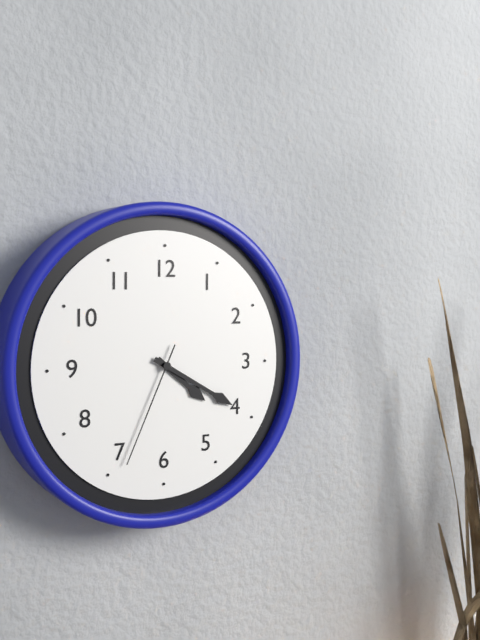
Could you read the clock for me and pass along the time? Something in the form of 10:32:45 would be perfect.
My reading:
4:20:34
